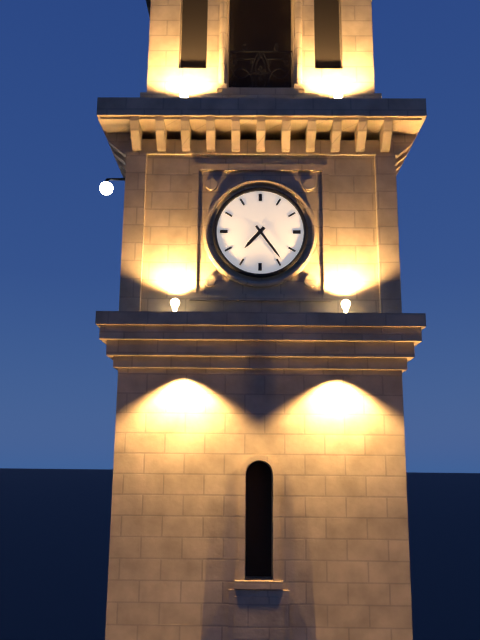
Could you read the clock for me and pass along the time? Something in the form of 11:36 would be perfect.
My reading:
7:24
